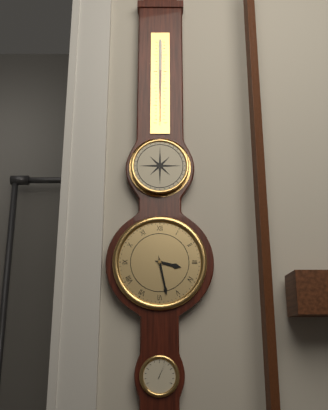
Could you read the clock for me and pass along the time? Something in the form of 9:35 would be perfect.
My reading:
3:28
